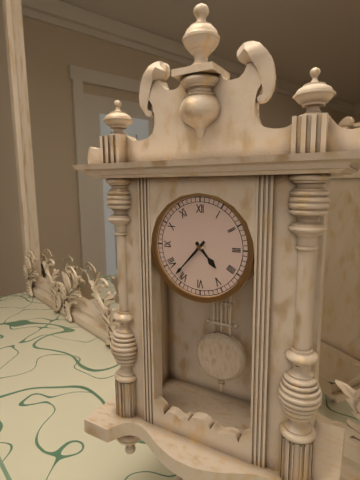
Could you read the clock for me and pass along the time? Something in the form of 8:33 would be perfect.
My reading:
4:37
